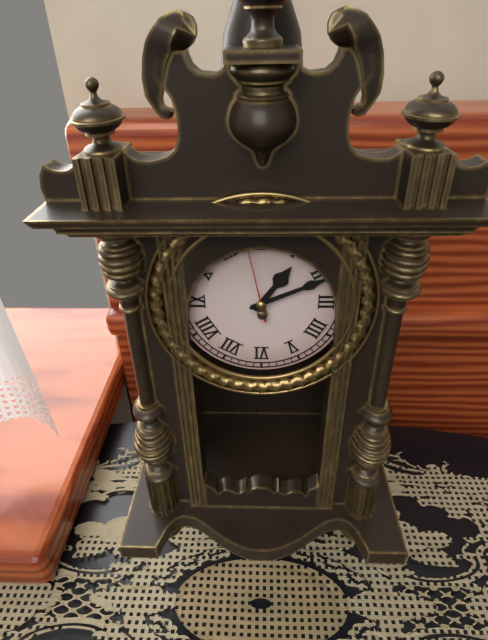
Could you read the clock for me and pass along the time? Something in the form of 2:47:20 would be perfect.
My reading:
1:11:58
